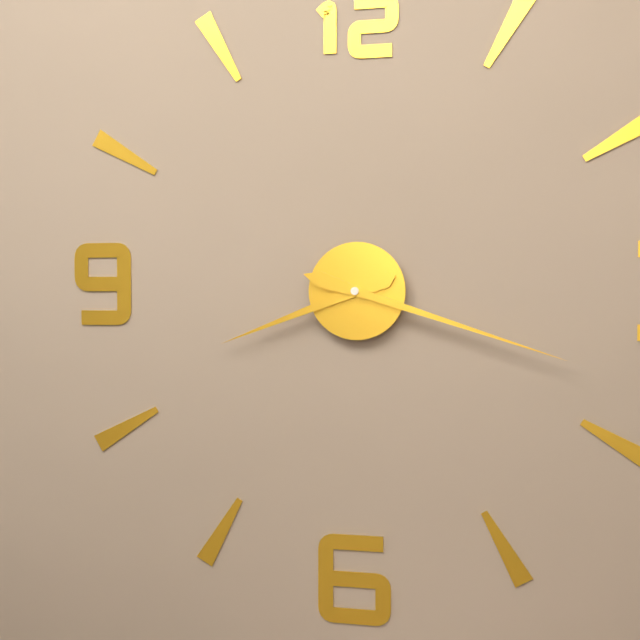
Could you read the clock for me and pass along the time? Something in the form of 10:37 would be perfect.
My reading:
8:18
